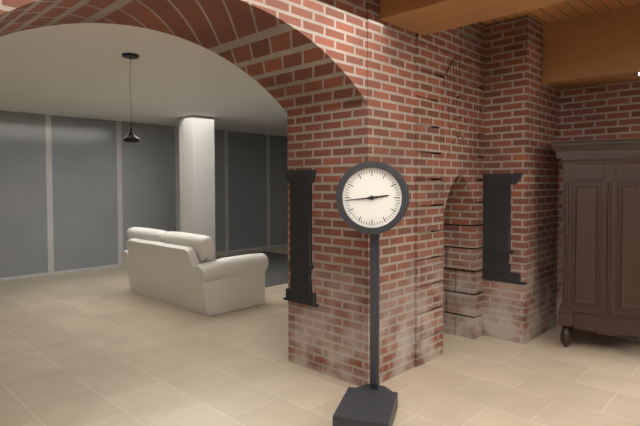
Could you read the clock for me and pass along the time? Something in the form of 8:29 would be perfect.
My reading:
2:44
